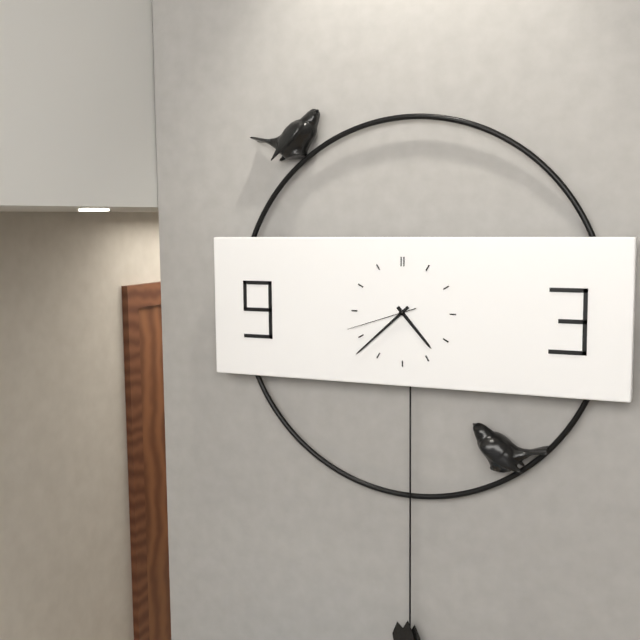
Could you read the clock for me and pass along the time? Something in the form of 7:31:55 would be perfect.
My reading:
4:38:42
